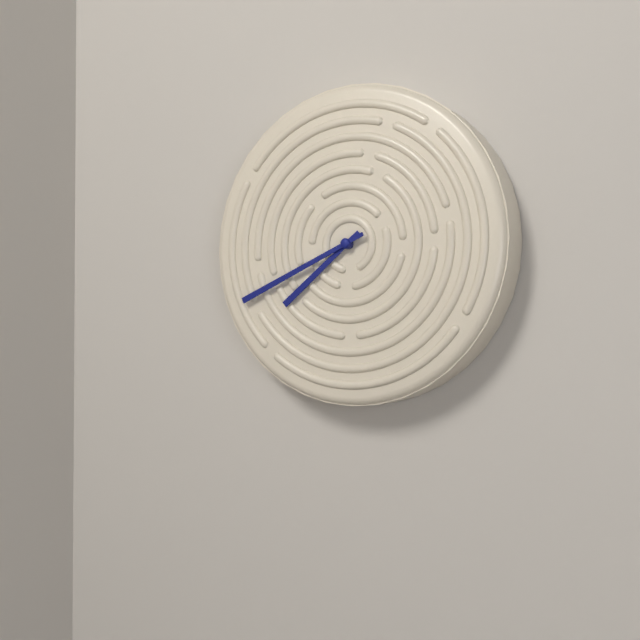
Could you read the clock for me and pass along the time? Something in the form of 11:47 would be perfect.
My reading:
7:41
